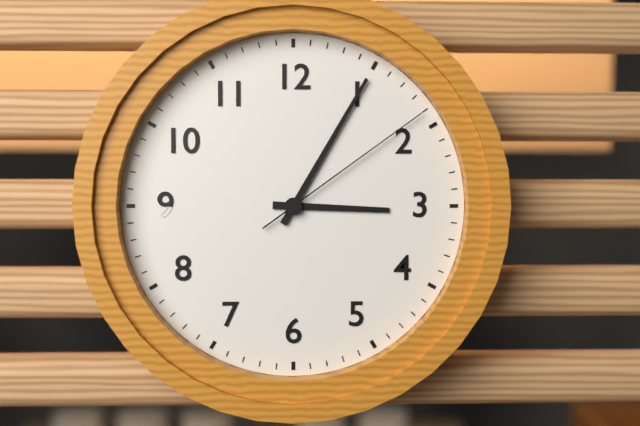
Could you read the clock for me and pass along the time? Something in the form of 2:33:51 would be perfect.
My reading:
3:05:09
